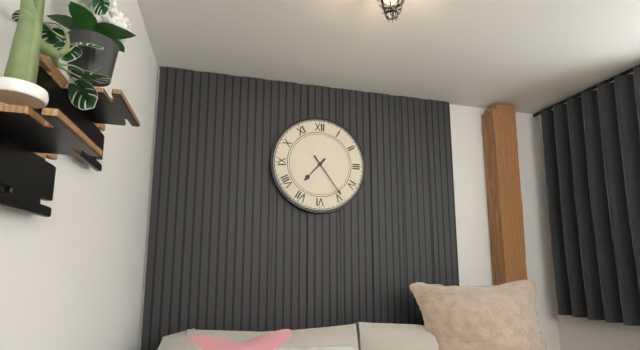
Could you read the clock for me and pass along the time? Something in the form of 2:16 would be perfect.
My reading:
7:24
